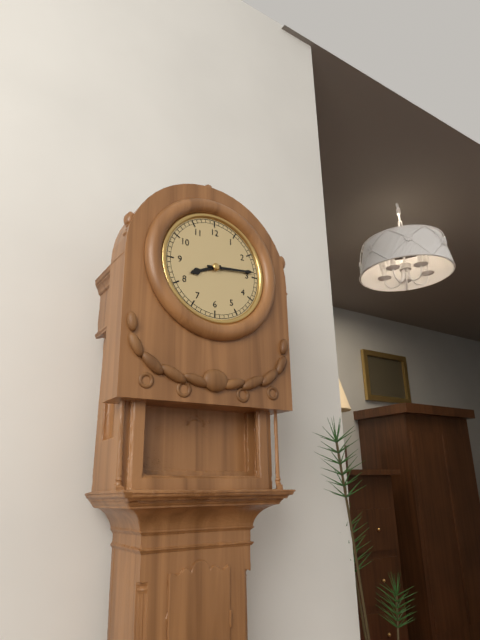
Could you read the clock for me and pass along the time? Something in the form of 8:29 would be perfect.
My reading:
8:14
